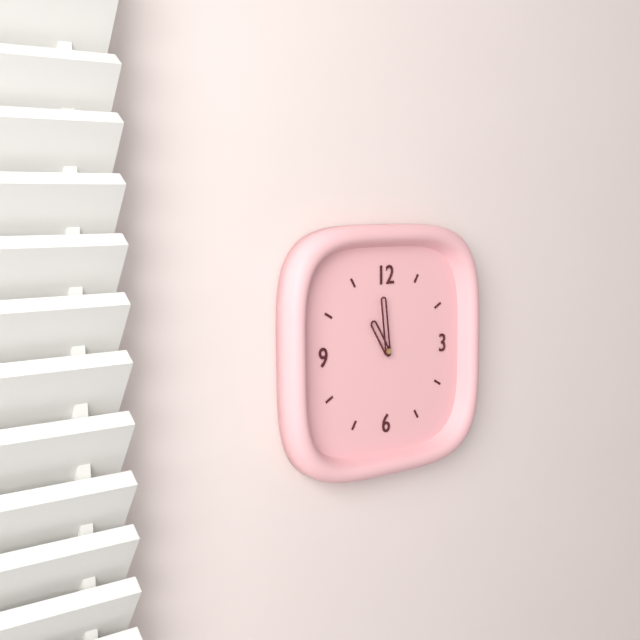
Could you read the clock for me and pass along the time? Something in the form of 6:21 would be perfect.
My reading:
10:59
